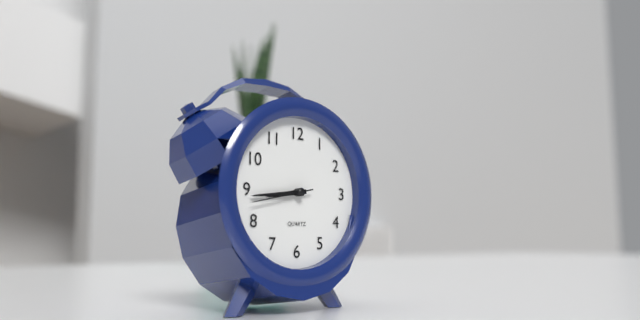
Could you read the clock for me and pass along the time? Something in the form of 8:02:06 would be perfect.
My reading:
8:44:43
